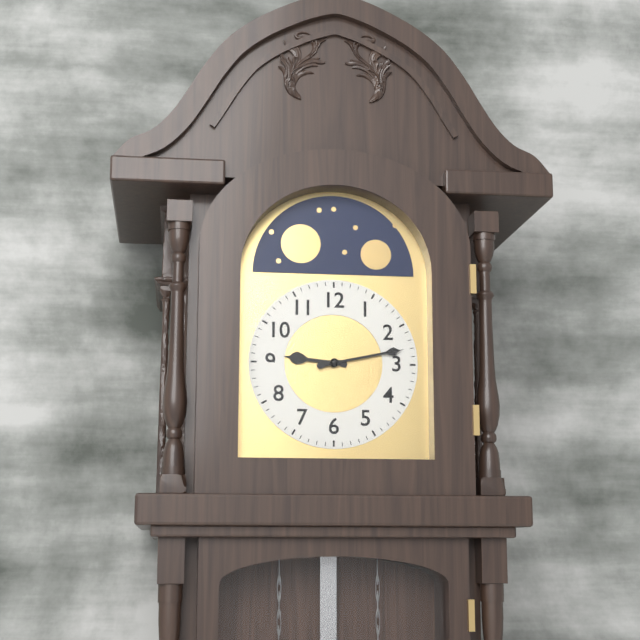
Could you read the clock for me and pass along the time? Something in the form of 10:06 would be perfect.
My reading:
9:13
